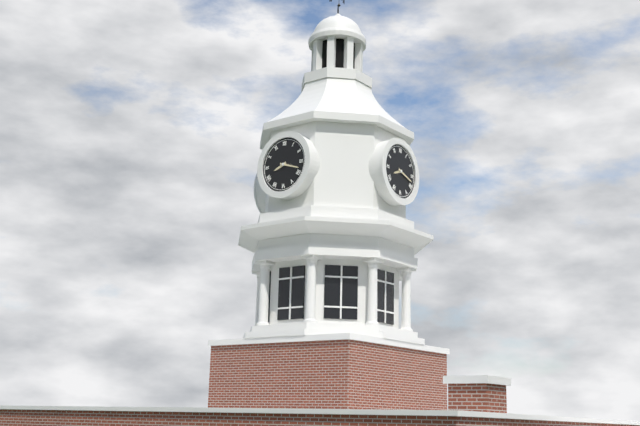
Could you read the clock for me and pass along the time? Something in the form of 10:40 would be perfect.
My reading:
8:18
